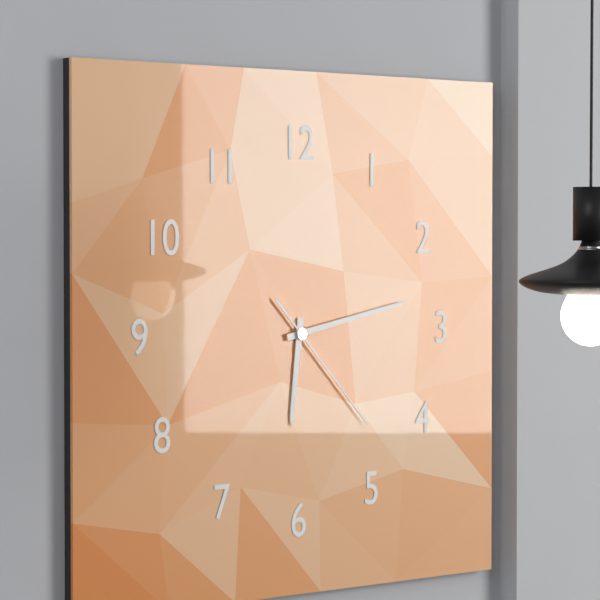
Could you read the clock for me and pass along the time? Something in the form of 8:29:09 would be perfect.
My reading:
6:13:23
